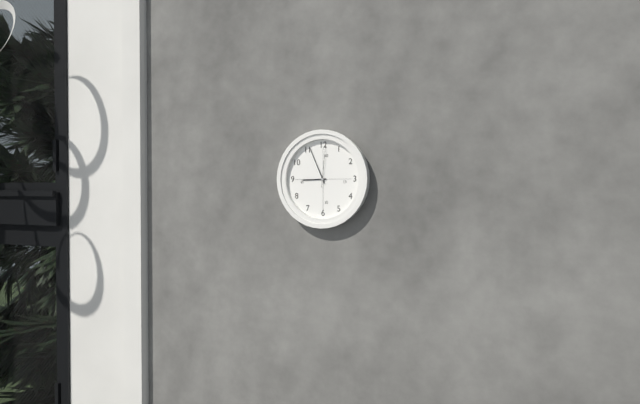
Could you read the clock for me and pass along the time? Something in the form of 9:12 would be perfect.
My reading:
8:56
